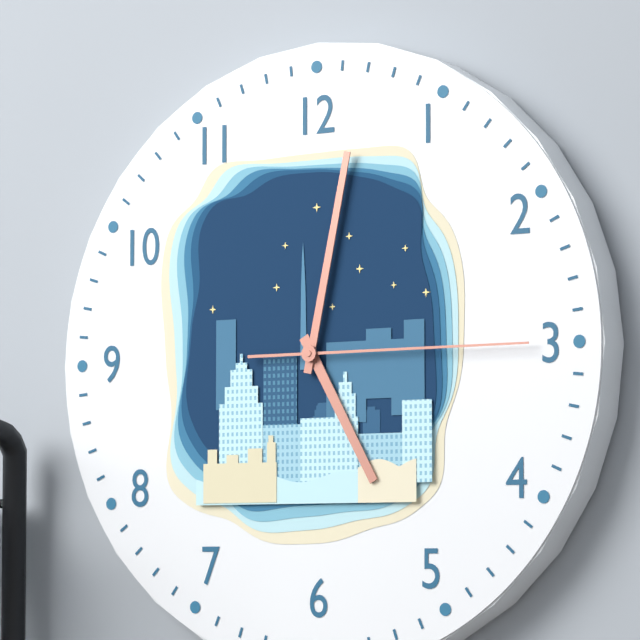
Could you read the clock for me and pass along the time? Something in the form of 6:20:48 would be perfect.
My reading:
5:02:15
